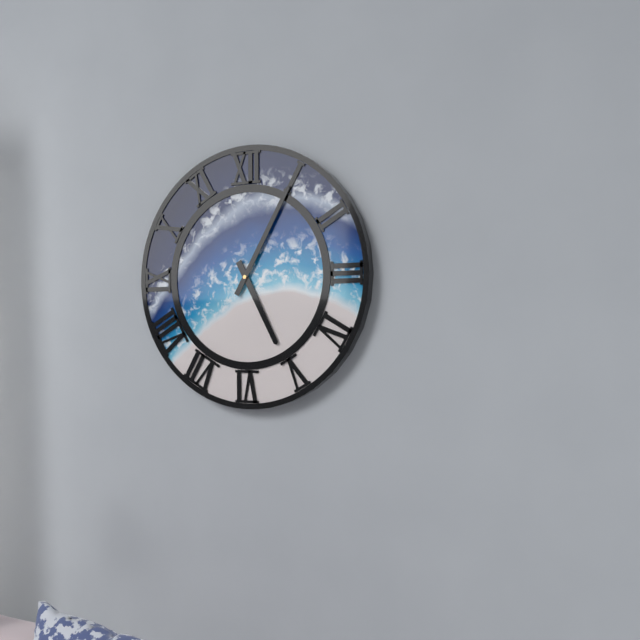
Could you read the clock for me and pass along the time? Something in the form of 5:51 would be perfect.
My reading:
5:05
